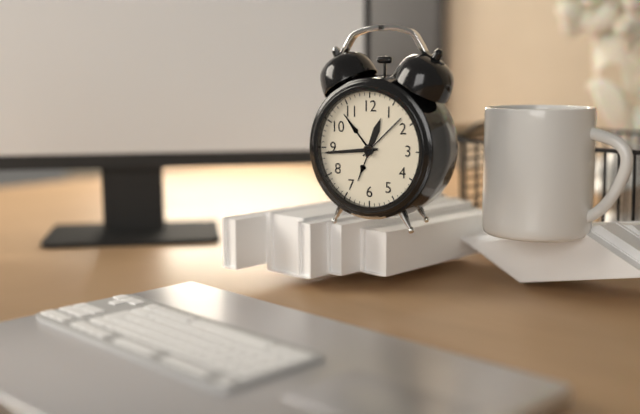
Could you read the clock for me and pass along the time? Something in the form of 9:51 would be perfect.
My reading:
12:44
